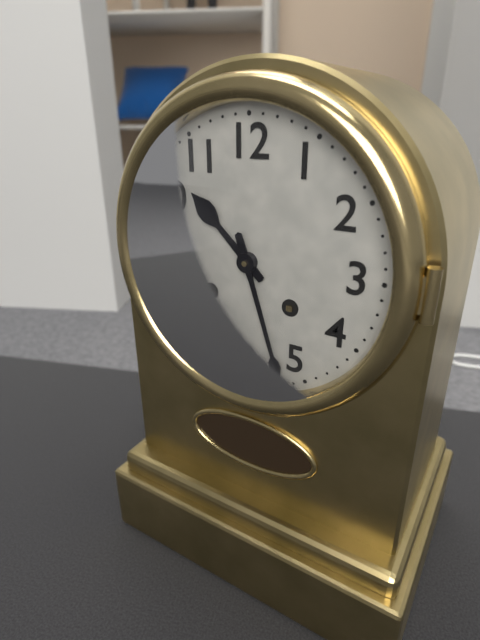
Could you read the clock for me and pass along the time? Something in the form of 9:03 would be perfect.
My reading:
10:27
